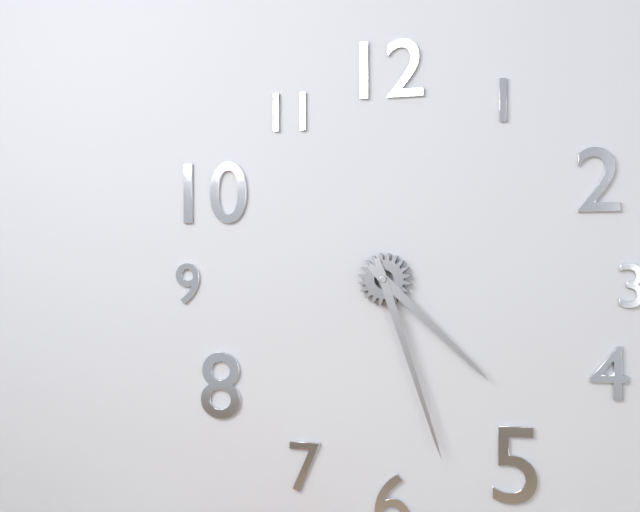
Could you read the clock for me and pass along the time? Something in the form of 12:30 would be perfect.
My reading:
4:27
